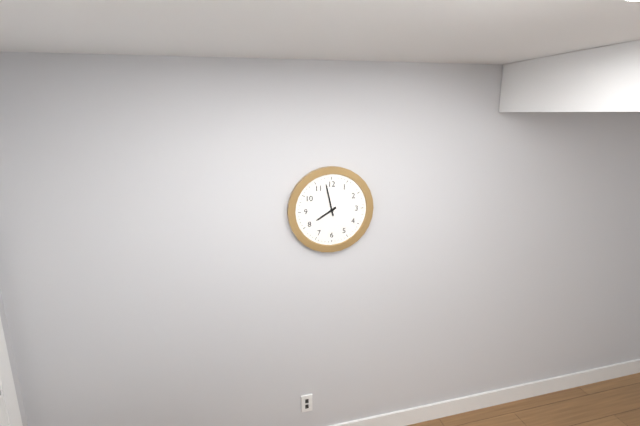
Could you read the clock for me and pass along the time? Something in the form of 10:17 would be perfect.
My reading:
7:58
